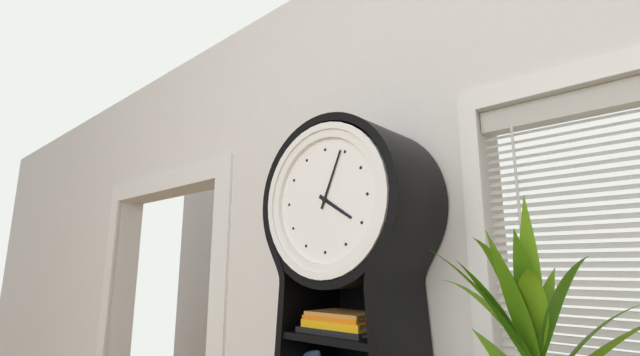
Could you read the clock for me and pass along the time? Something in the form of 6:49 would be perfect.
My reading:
4:04
